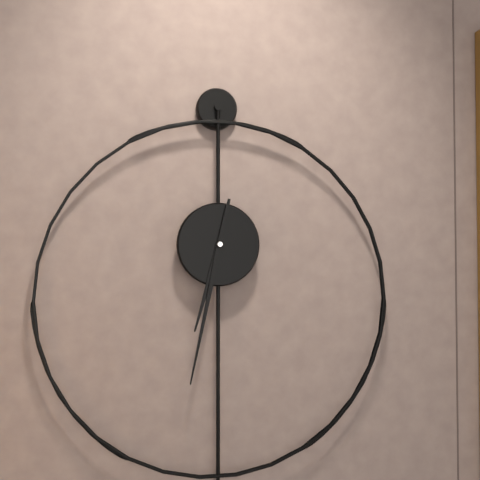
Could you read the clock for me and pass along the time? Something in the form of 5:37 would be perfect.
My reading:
6:32
